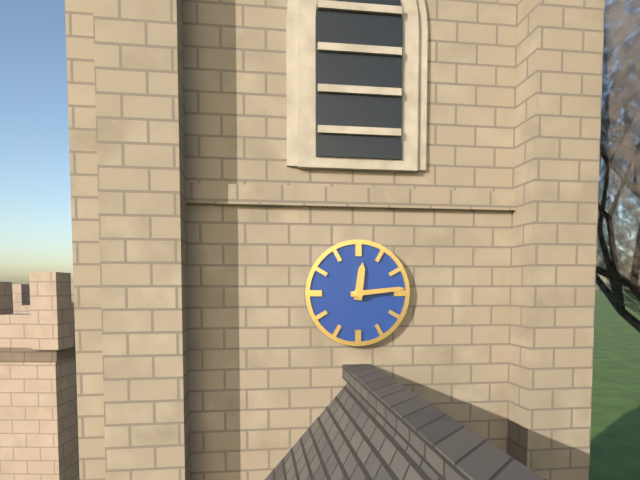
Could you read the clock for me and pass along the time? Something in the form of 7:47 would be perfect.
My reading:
12:14
